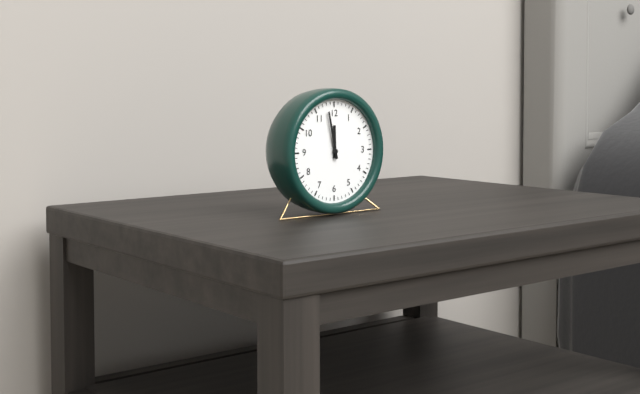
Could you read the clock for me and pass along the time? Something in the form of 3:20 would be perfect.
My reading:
11:58
